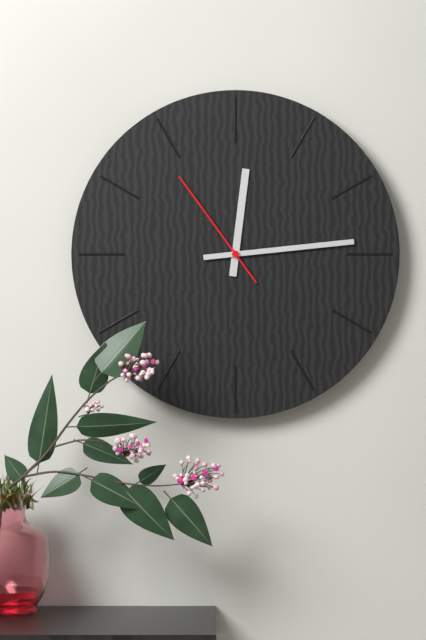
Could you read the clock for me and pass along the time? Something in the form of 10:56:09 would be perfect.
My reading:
12:14:54
